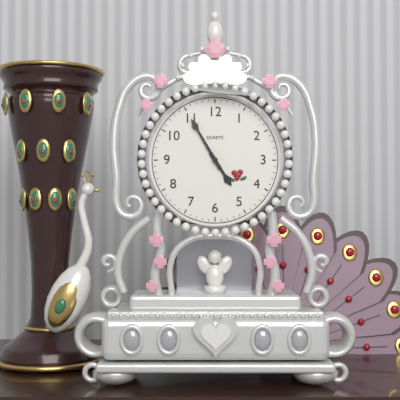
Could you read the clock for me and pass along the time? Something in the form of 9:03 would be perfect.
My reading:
4:55
